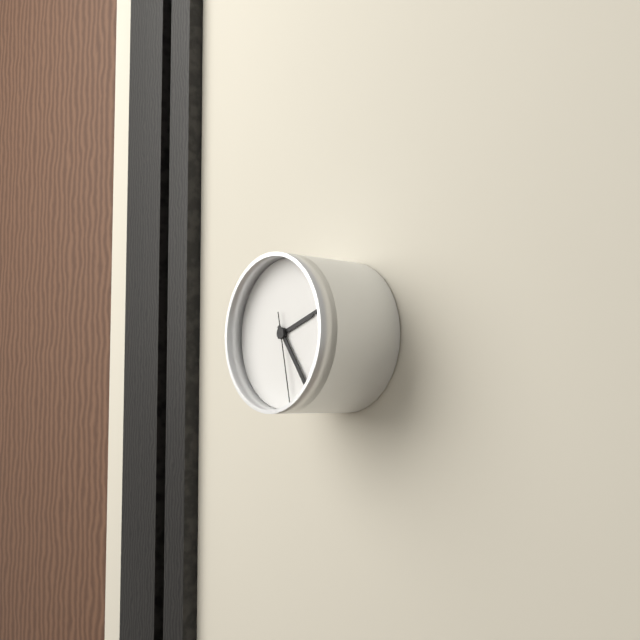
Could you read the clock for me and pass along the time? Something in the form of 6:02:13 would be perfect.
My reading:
2:24:28
